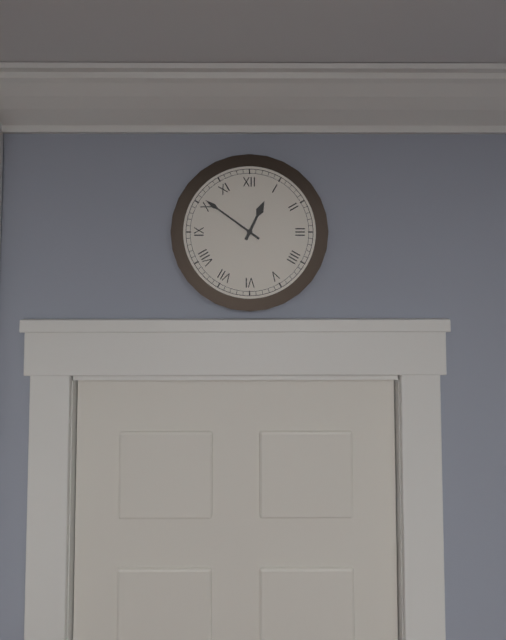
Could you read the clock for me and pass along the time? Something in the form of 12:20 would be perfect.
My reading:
12:51
